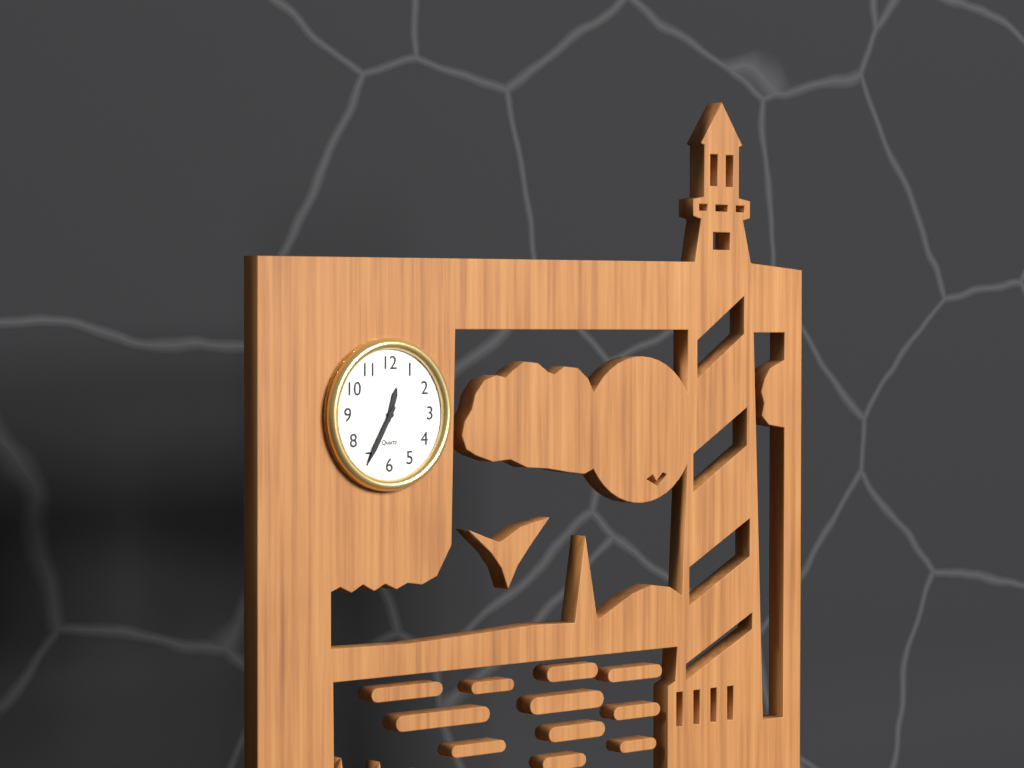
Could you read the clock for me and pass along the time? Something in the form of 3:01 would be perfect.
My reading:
12:35
